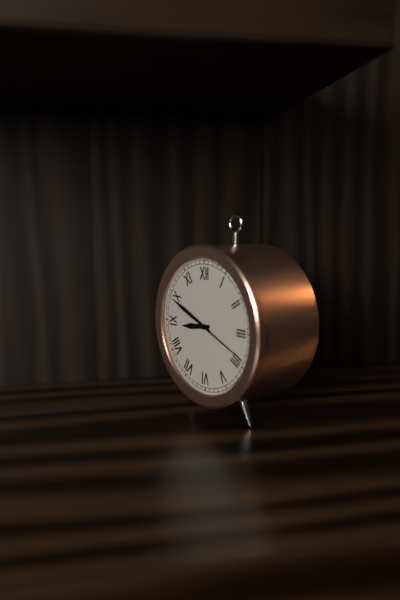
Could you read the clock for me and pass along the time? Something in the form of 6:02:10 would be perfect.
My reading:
8:49:19
